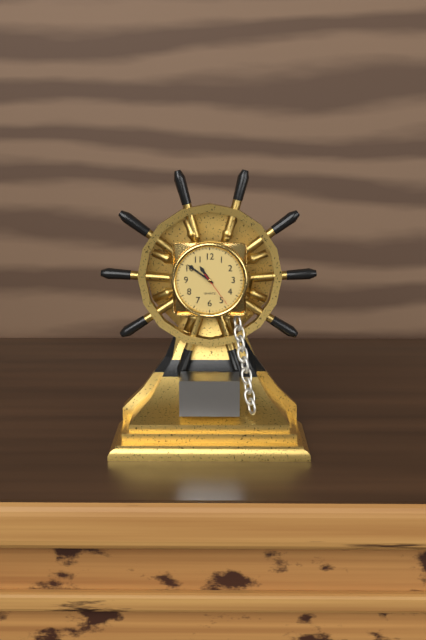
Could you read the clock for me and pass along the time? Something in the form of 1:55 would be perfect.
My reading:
10:51
